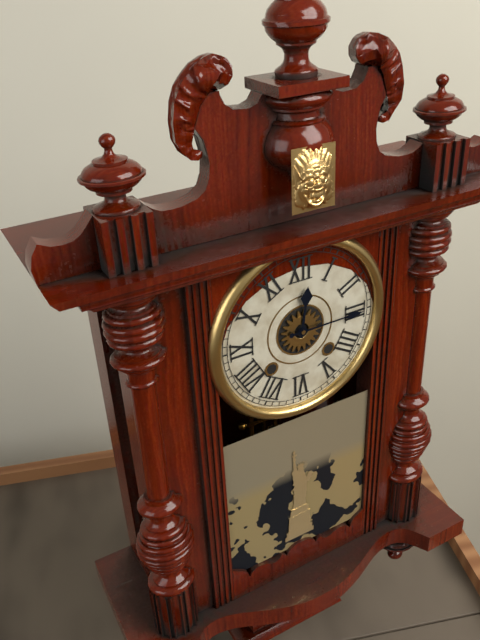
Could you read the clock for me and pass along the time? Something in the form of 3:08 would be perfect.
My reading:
12:15
